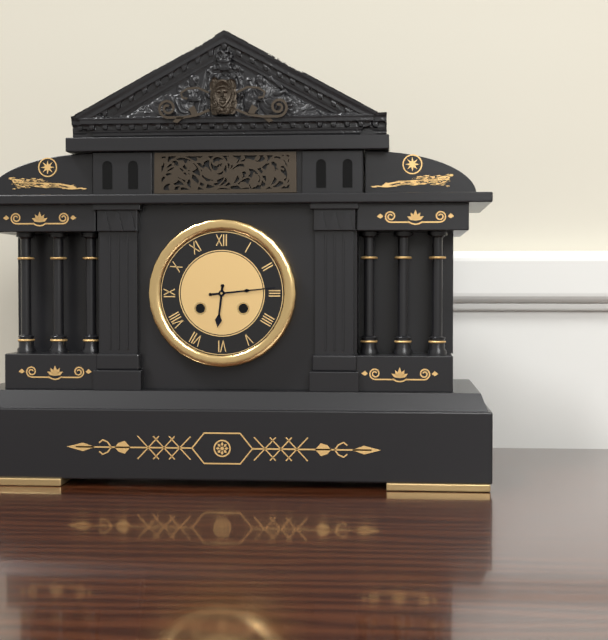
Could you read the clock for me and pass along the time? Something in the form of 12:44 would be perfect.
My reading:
6:14
